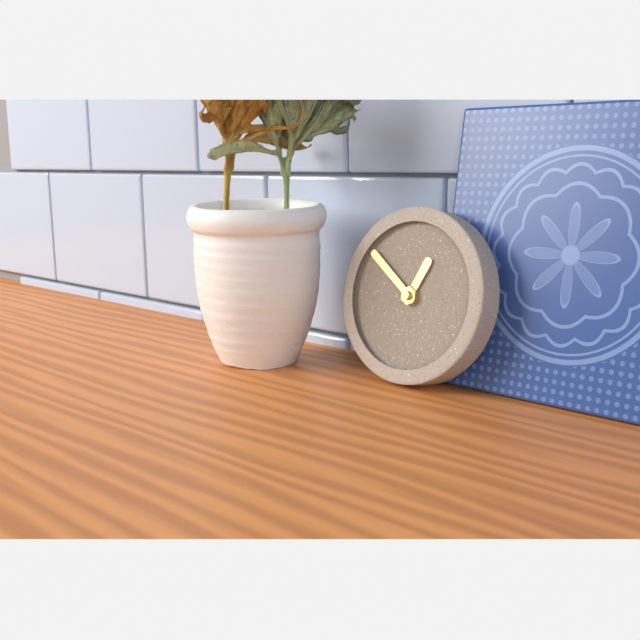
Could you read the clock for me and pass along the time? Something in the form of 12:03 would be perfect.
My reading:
12:51
